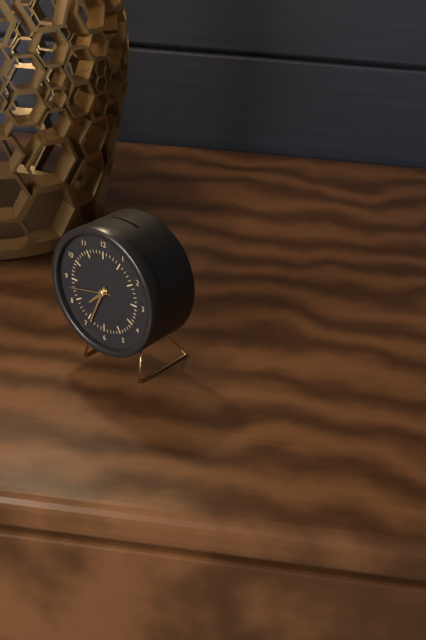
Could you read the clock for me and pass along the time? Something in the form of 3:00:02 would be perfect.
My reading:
7:34:43
